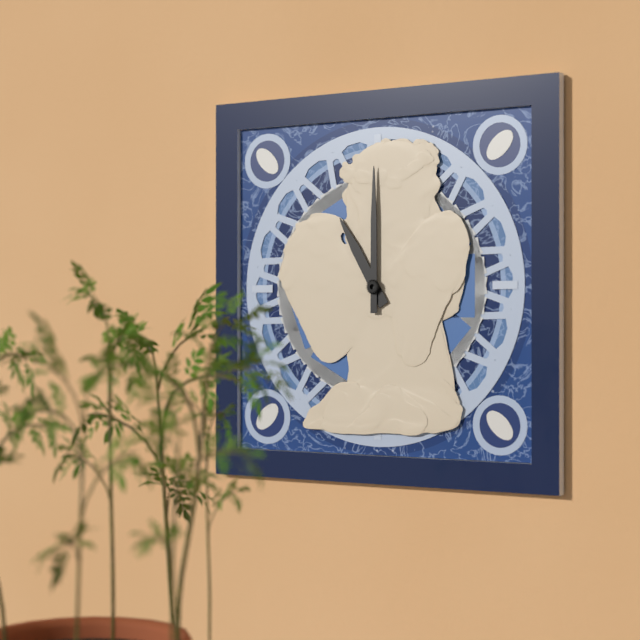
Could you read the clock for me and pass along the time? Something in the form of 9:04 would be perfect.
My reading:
11:00
